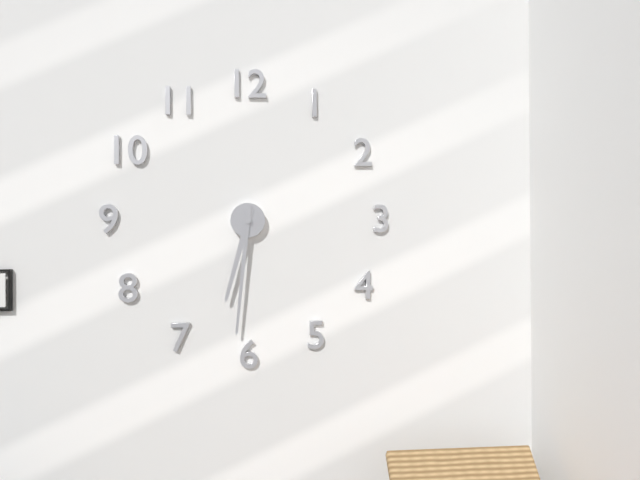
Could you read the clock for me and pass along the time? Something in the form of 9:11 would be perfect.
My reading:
6:31
